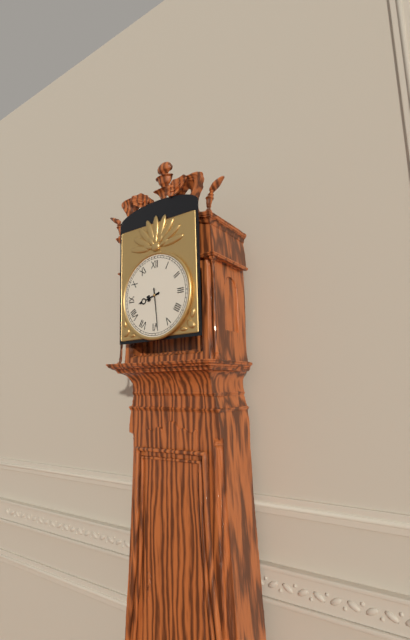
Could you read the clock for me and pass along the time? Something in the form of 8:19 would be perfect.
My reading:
8:29
